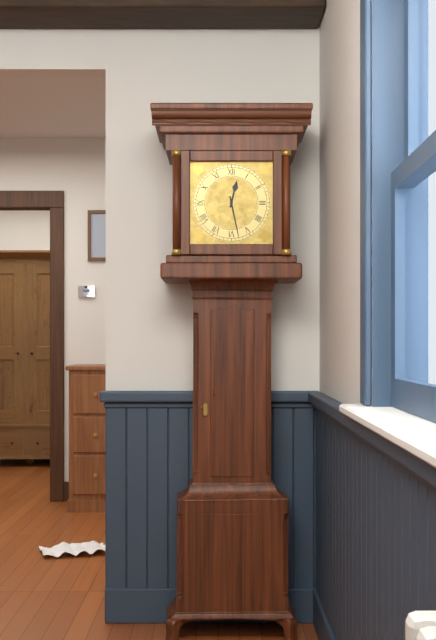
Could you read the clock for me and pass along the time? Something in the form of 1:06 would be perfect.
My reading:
12:28
